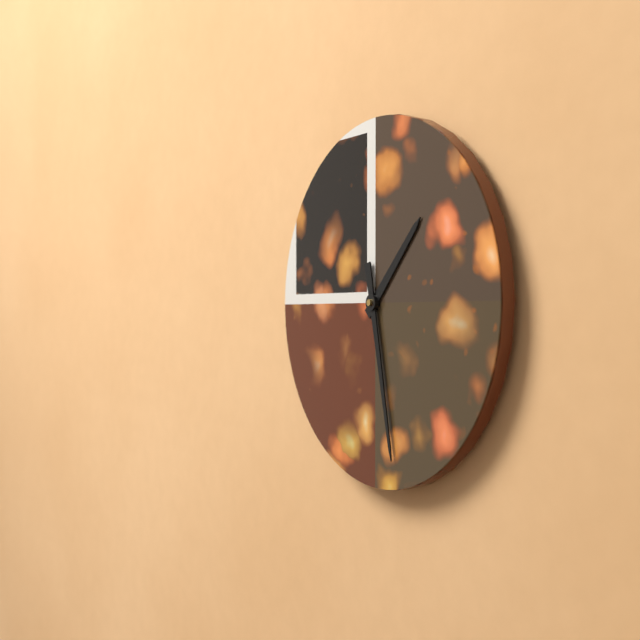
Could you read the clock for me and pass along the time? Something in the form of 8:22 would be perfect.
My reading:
1:28
